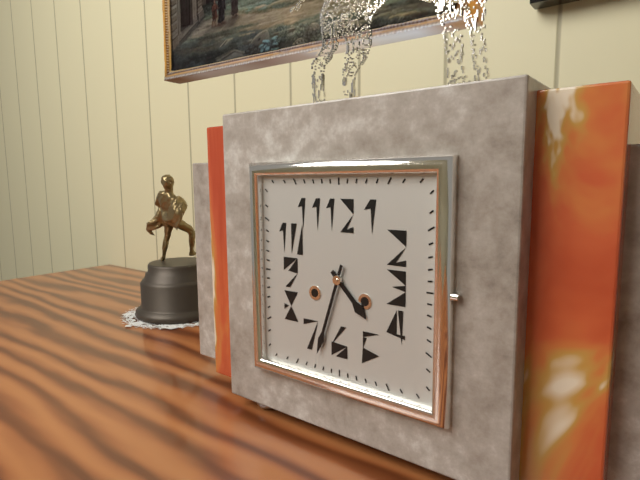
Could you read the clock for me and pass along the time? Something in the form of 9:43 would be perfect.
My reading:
4:33
